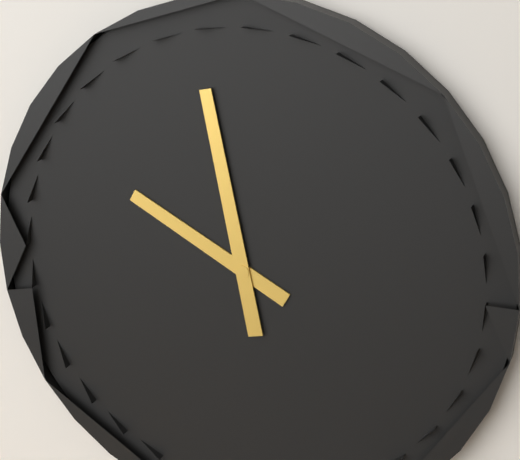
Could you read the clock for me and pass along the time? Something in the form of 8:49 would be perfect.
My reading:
9:58
